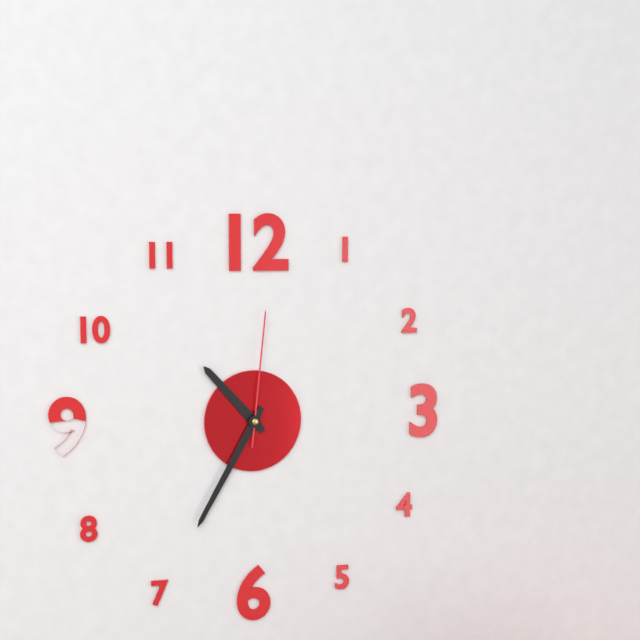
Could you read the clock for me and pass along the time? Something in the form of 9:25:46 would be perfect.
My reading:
10:35:01
